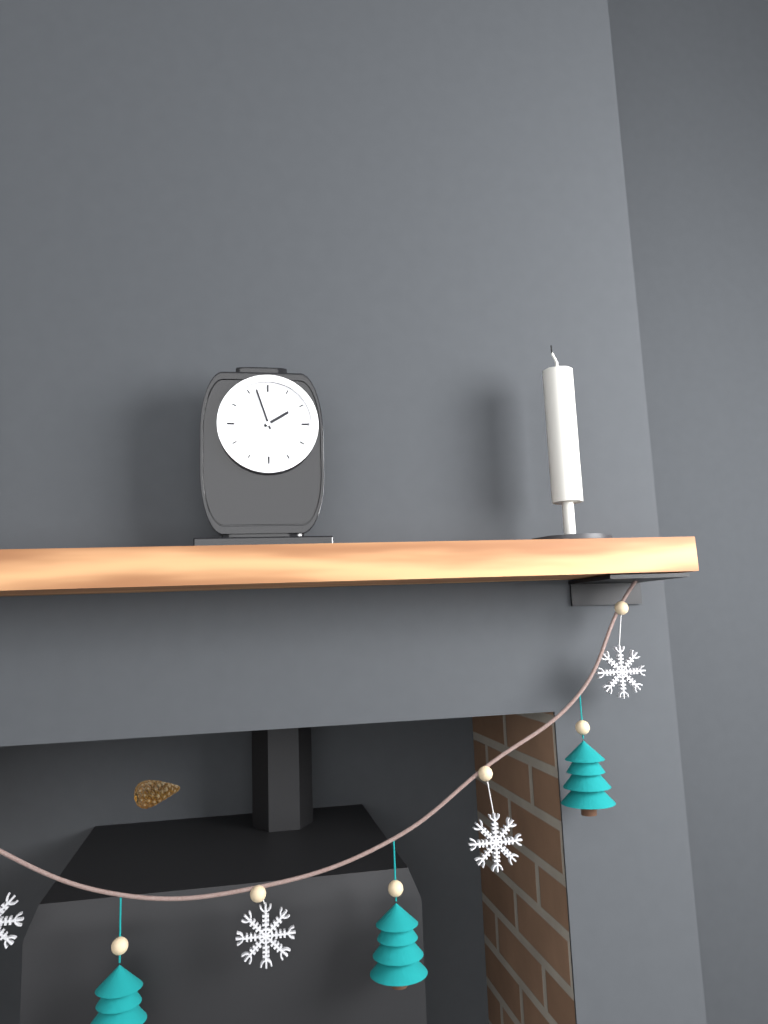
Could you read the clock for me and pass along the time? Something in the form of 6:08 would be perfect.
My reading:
1:57
